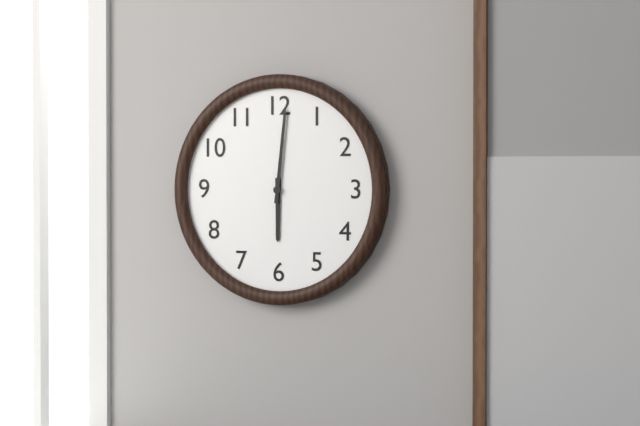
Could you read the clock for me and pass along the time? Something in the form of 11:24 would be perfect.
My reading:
6:01
